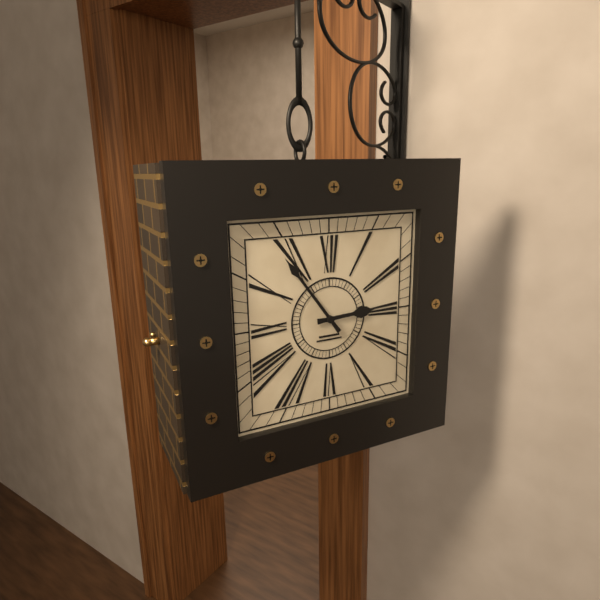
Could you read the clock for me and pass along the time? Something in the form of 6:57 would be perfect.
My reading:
2:54
